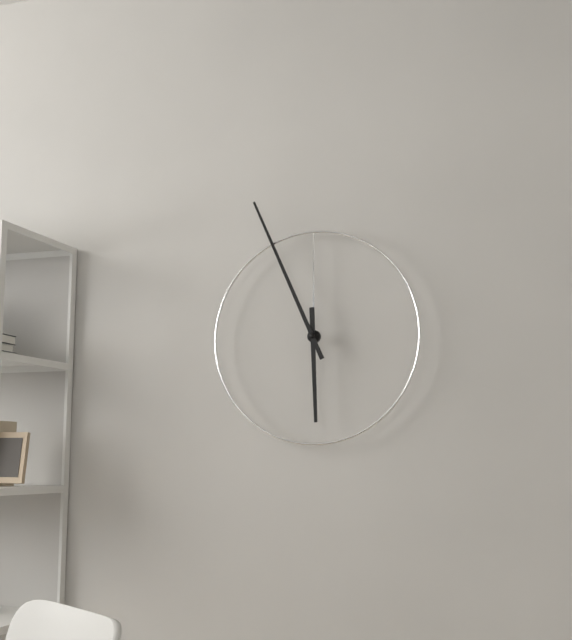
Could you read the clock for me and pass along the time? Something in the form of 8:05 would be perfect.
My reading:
5:56
